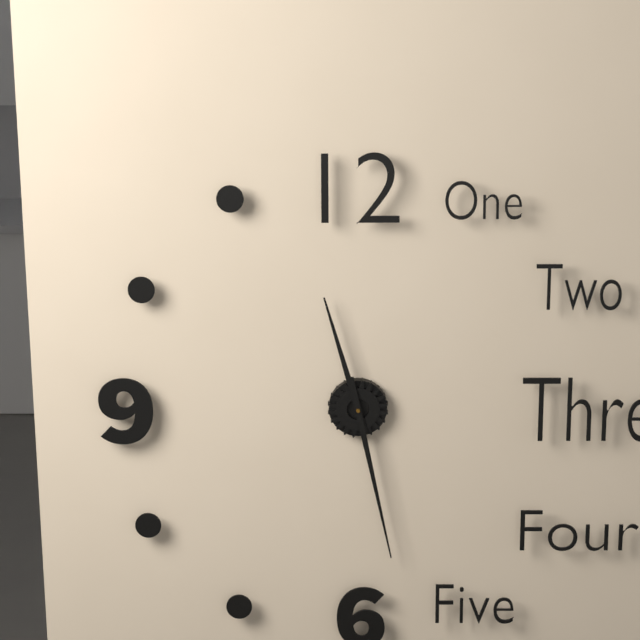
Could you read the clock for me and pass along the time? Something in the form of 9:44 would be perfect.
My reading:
11:28
